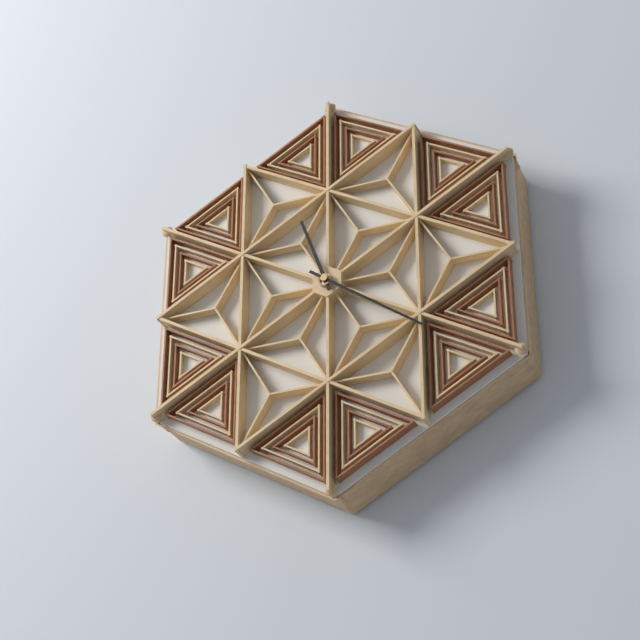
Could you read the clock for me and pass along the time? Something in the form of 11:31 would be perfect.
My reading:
11:21
